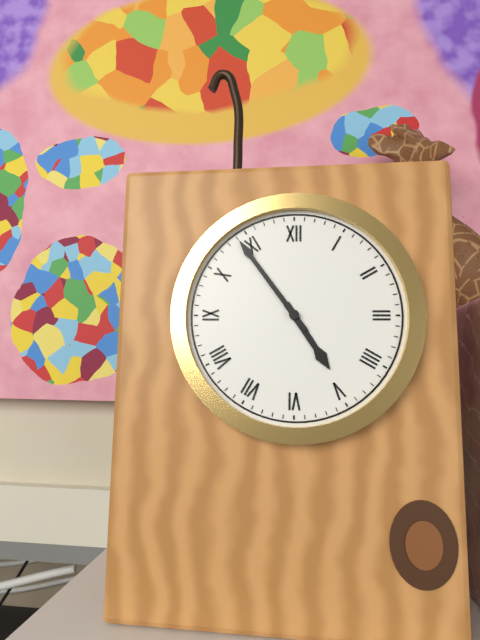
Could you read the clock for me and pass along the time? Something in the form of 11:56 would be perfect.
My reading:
4:54
